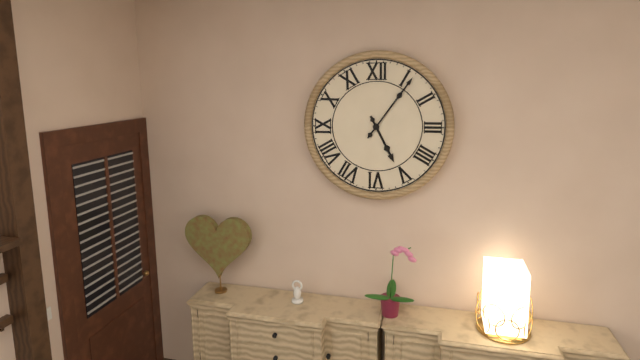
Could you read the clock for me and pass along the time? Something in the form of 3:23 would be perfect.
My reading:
5:06
